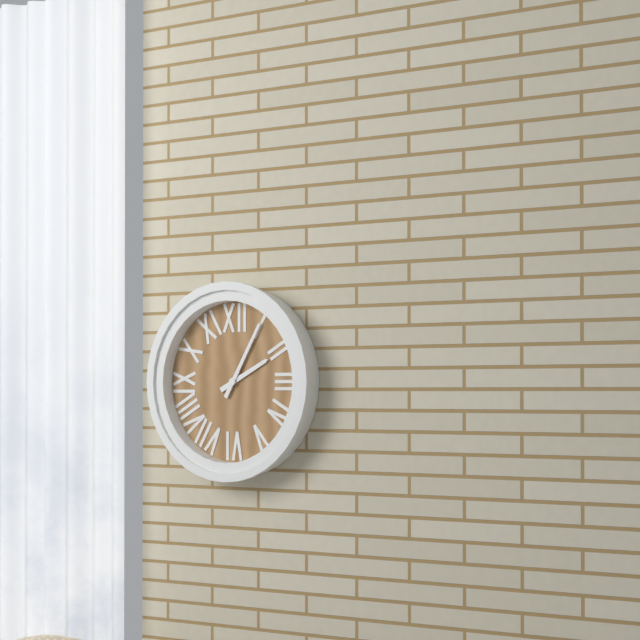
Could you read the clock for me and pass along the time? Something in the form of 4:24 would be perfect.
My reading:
2:05
